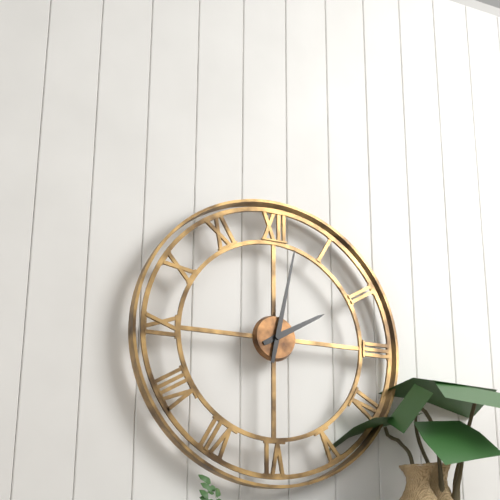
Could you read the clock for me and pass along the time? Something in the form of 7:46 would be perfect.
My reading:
2:02
